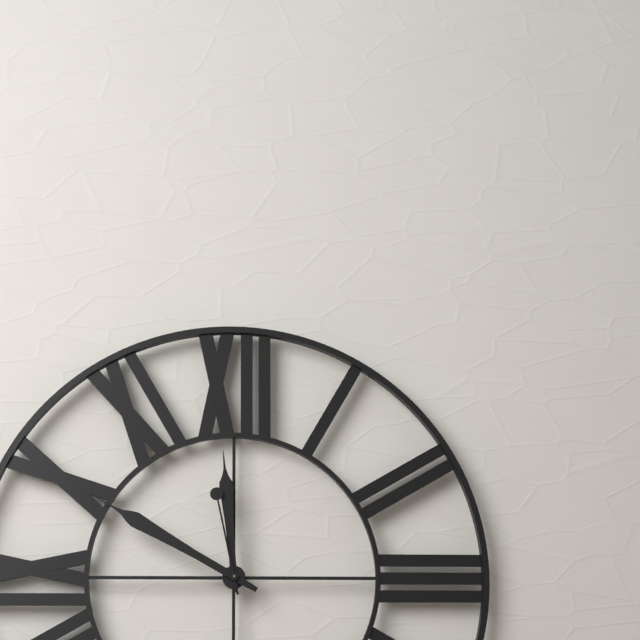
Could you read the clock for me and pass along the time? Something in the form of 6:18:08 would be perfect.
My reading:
11:50:58
